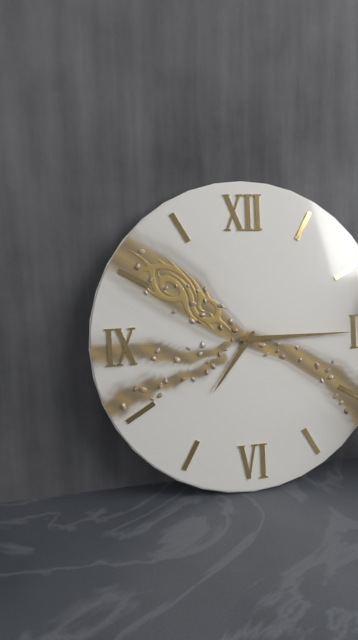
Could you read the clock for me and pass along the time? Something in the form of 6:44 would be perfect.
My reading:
7:15
